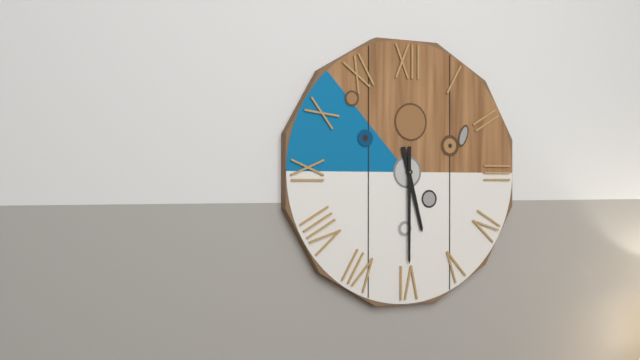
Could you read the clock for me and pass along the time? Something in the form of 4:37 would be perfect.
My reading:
5:30
